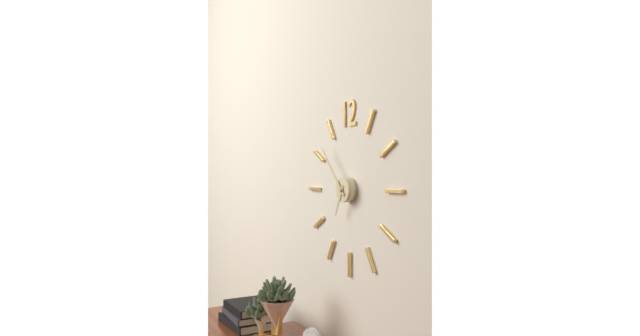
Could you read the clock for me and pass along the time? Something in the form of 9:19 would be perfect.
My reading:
6:53
